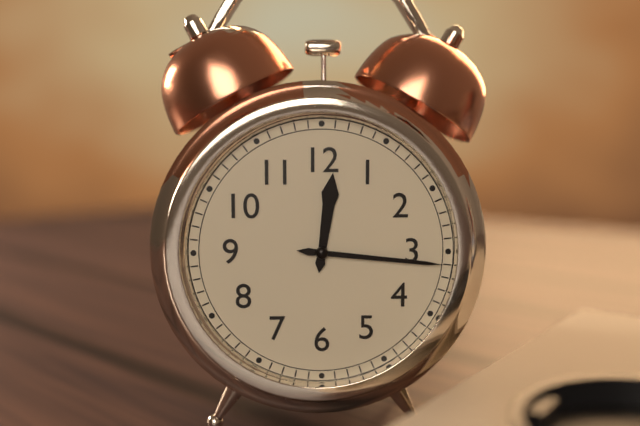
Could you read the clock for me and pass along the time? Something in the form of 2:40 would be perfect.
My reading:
12:16
